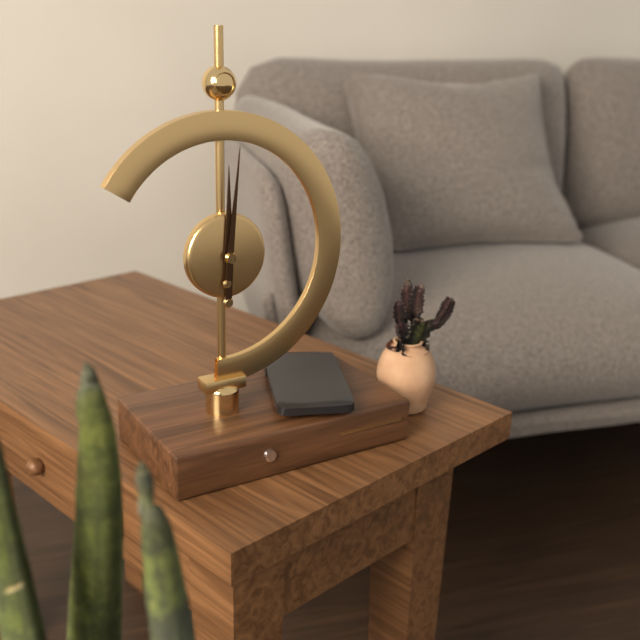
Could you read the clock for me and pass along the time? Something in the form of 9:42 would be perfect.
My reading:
12:01
